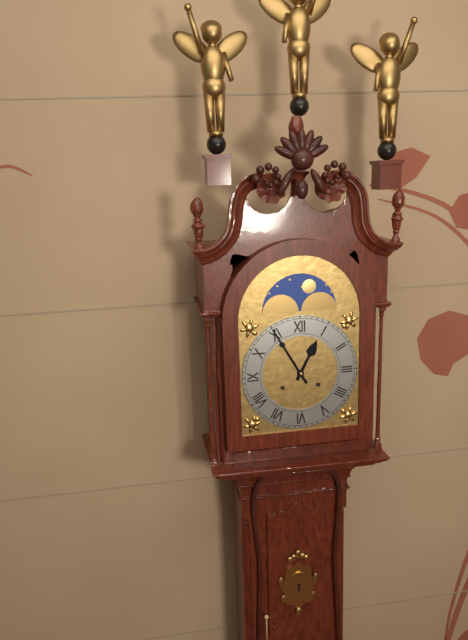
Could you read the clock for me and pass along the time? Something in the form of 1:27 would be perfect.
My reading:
12:55
